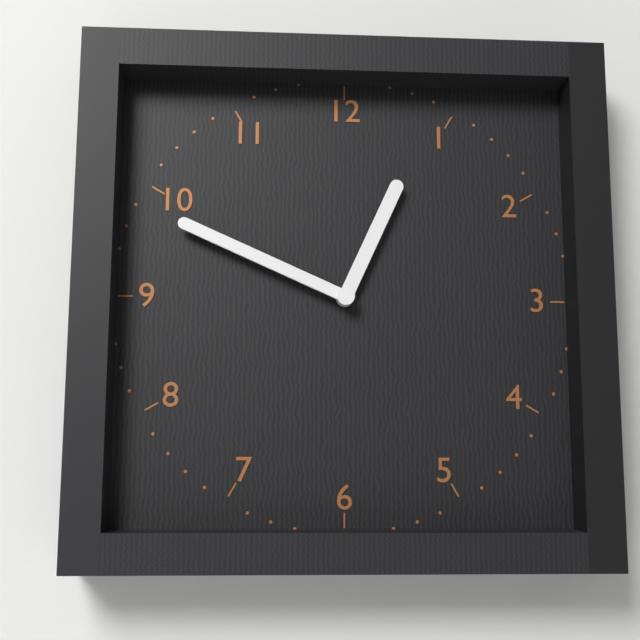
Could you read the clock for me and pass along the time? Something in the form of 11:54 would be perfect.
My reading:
12:49
